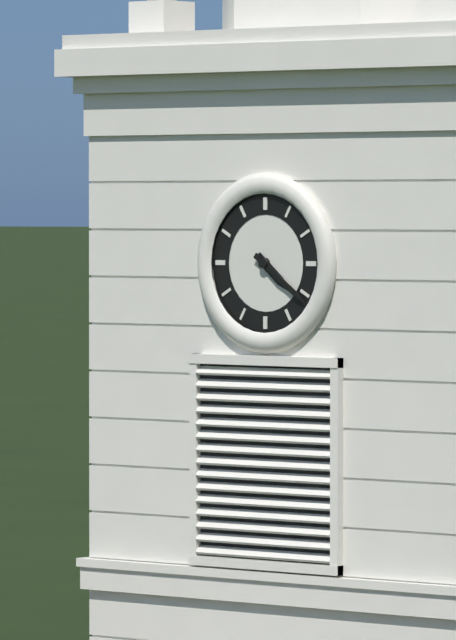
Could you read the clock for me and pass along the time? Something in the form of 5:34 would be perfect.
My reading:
4:21
